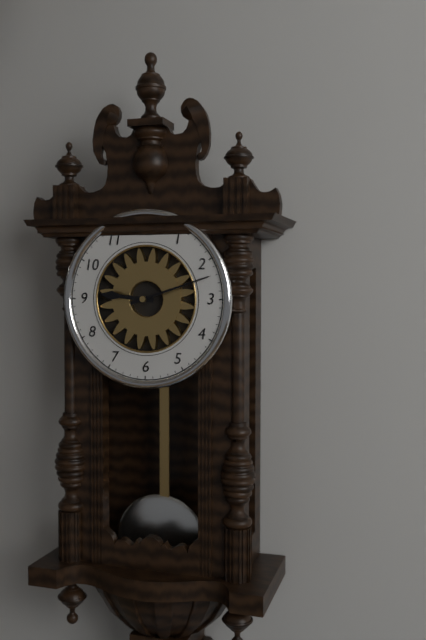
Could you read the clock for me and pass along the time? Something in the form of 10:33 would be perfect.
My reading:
9:12
